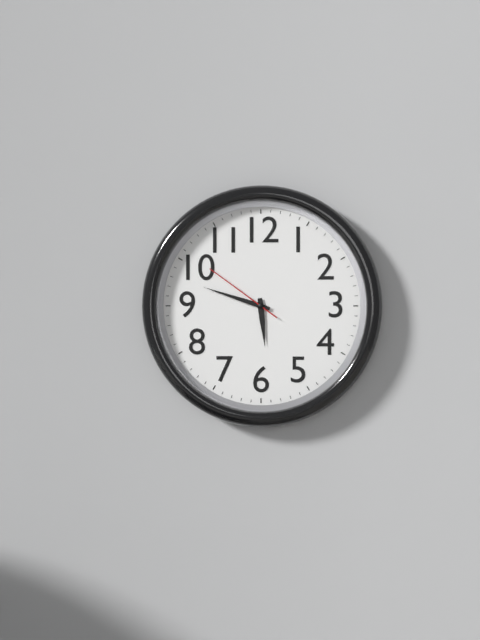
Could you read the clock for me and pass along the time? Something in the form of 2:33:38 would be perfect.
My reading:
5:48:51
